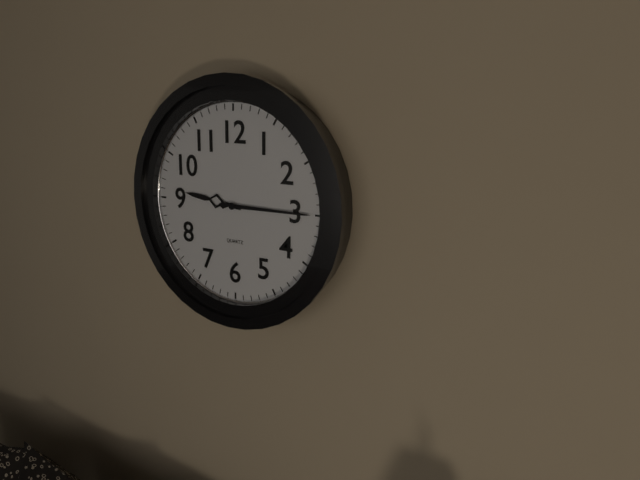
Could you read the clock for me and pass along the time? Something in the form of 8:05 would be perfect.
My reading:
9:15
